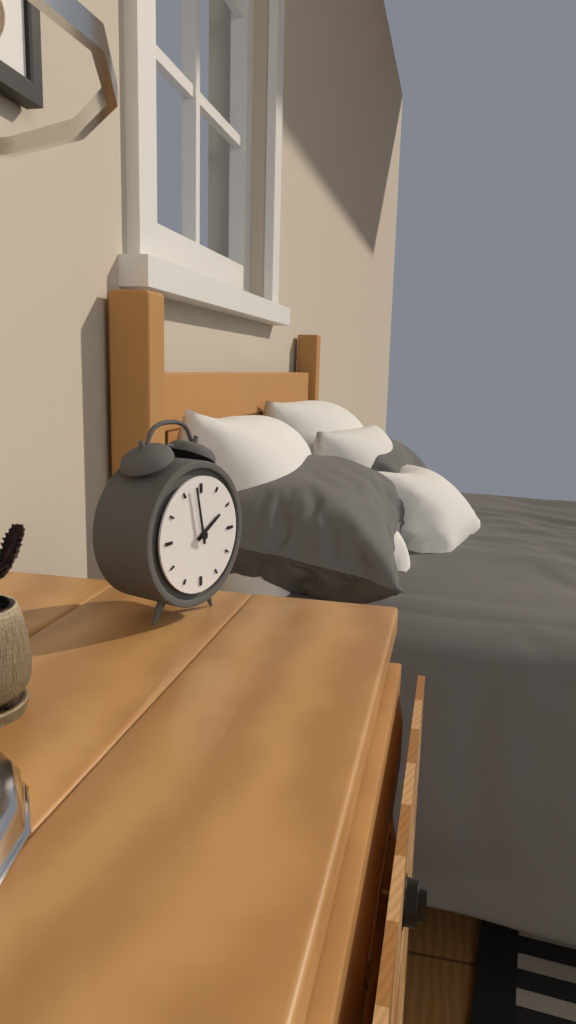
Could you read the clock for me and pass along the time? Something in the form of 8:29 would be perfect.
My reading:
1:58
